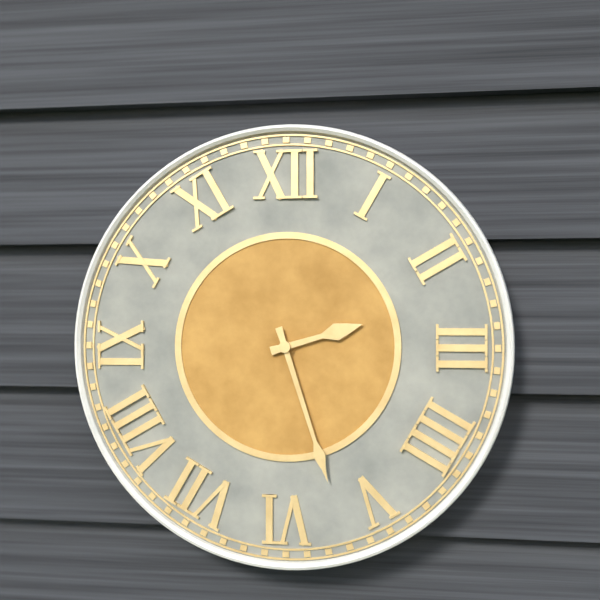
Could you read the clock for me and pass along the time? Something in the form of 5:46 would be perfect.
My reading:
2:27
